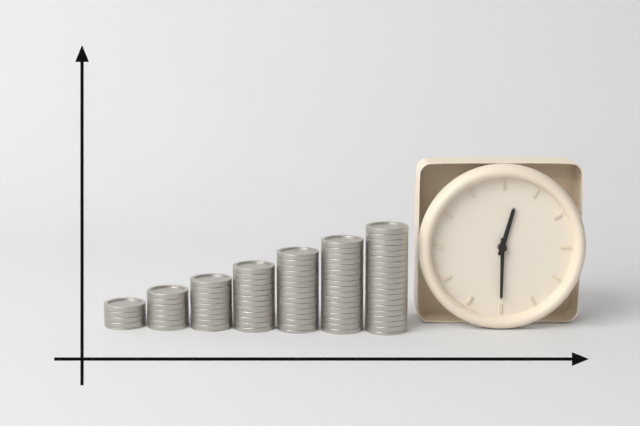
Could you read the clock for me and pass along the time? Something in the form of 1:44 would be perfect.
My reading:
12:30
